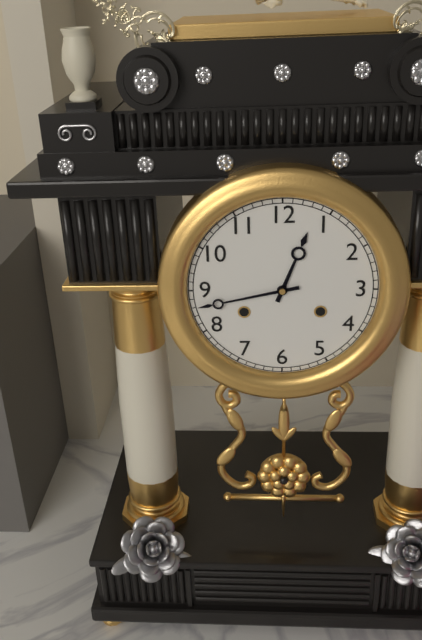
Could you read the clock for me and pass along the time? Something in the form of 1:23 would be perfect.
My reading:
12:43
